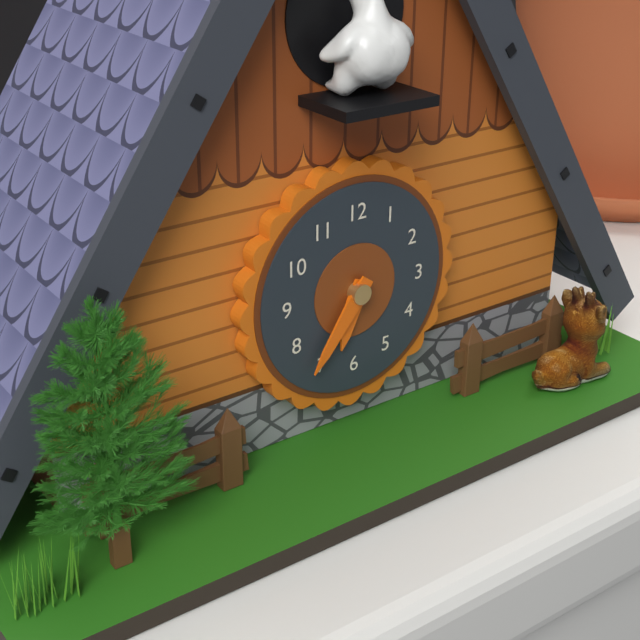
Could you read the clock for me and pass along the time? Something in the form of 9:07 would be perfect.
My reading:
6:36
